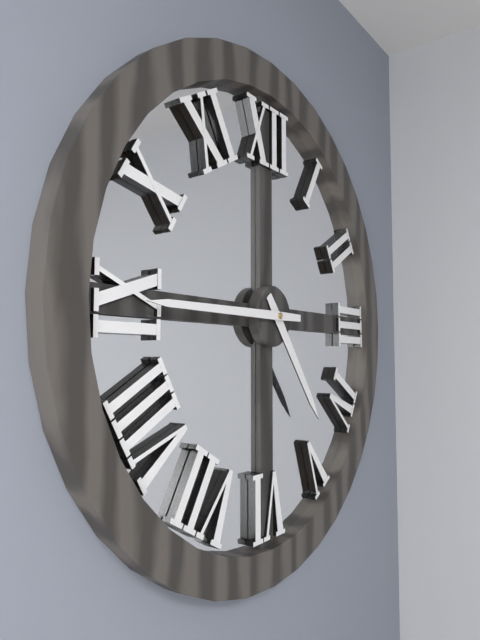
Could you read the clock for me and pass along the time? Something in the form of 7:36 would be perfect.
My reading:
4:45
